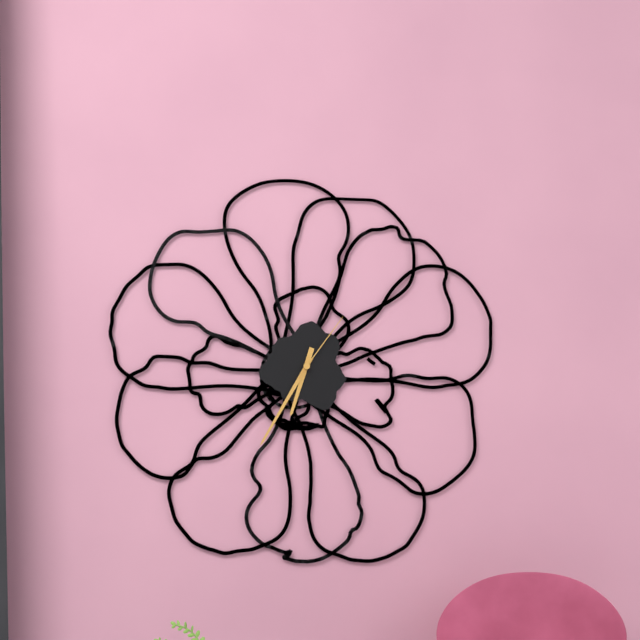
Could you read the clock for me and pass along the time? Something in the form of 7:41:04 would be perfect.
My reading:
6:35:06
